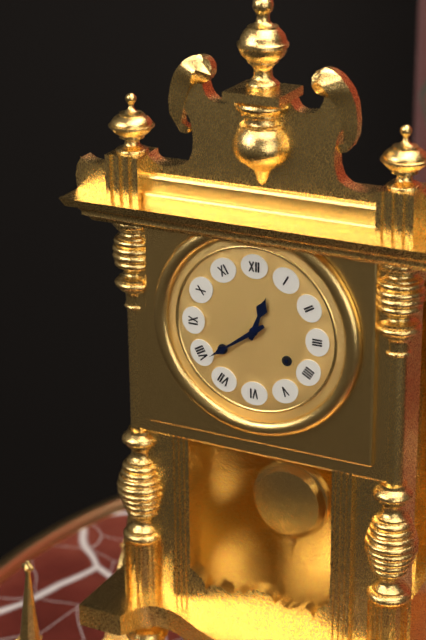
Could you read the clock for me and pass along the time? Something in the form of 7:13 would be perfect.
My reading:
12:39
